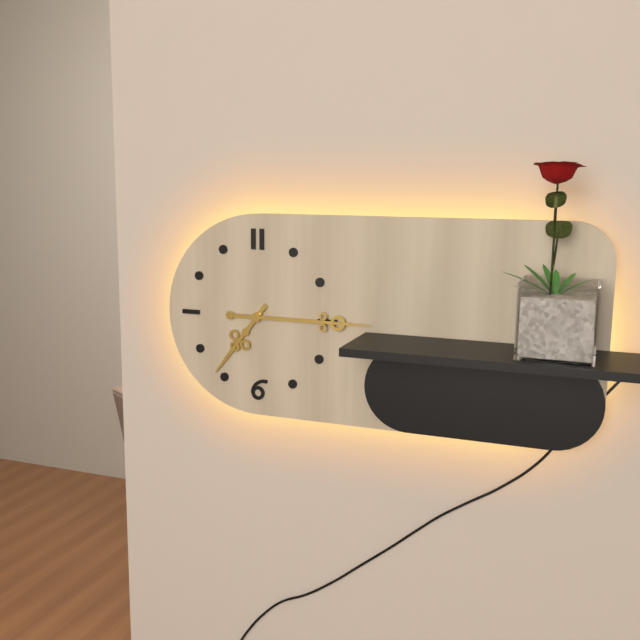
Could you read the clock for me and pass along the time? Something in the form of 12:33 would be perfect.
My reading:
7:15
